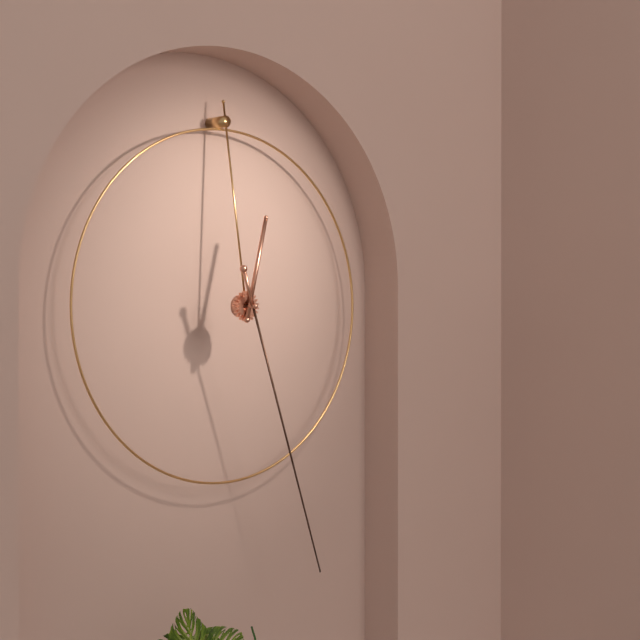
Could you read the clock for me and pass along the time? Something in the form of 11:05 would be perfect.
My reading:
12:27
